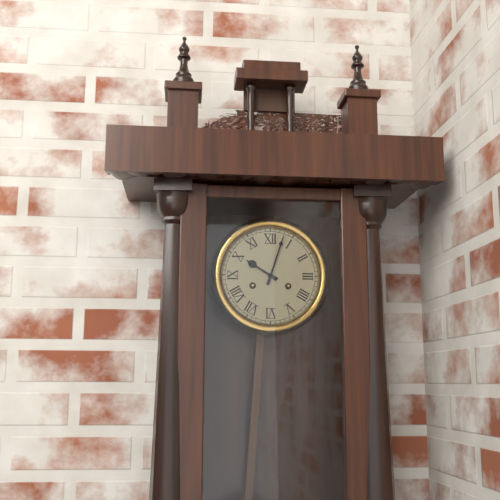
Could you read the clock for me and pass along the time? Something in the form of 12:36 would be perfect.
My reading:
10:03
